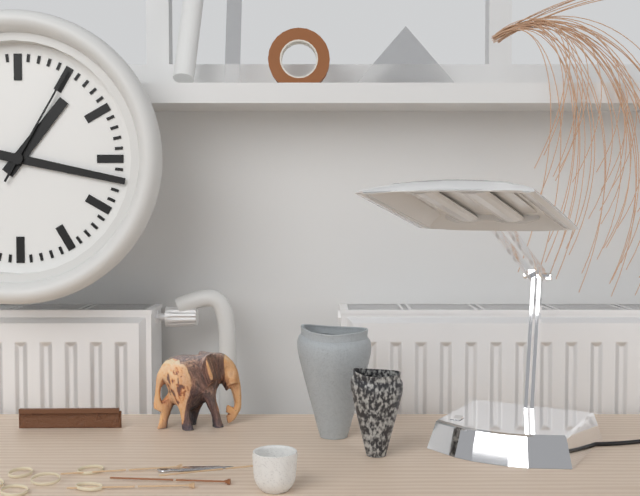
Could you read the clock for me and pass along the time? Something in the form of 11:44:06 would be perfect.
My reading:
1:17:05
